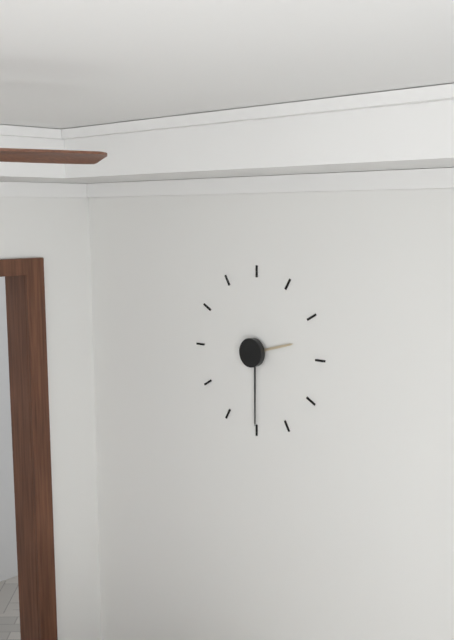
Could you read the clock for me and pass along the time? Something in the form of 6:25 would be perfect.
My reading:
2:30
